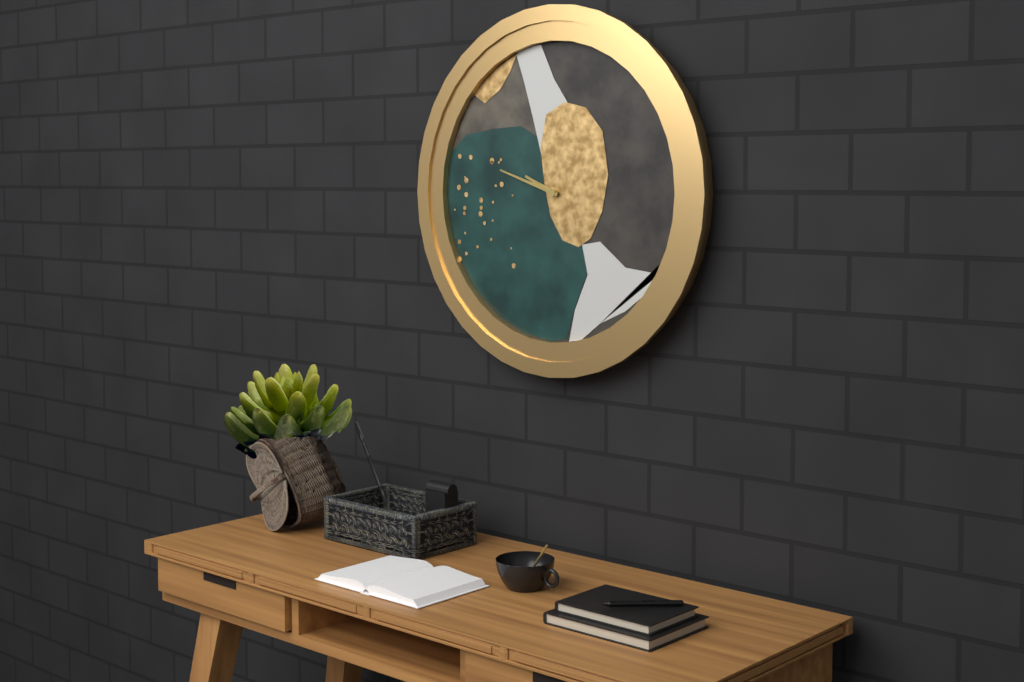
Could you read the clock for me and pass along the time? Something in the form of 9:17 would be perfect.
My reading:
9:48
